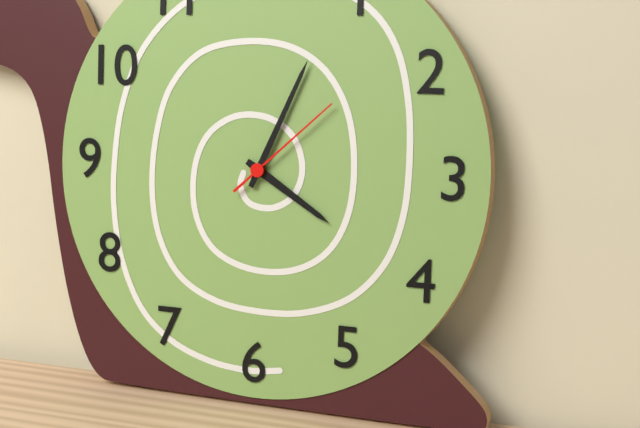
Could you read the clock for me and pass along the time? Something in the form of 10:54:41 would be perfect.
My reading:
4:04:08
